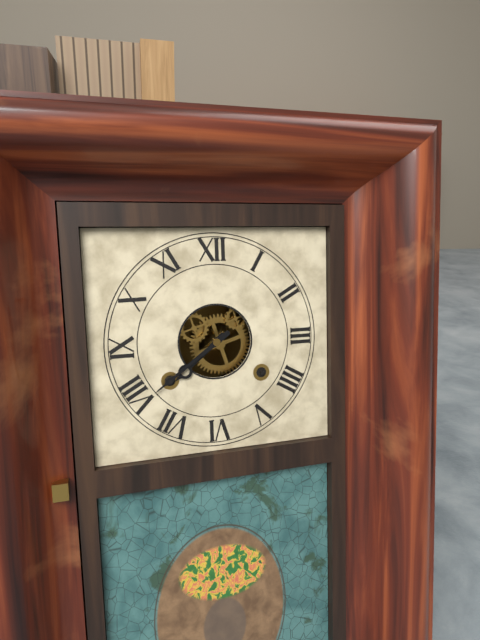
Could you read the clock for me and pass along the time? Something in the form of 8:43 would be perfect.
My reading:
7:39
